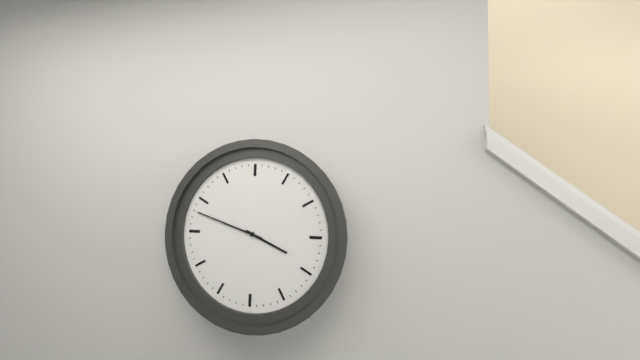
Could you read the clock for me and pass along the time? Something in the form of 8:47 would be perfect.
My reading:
3:48
